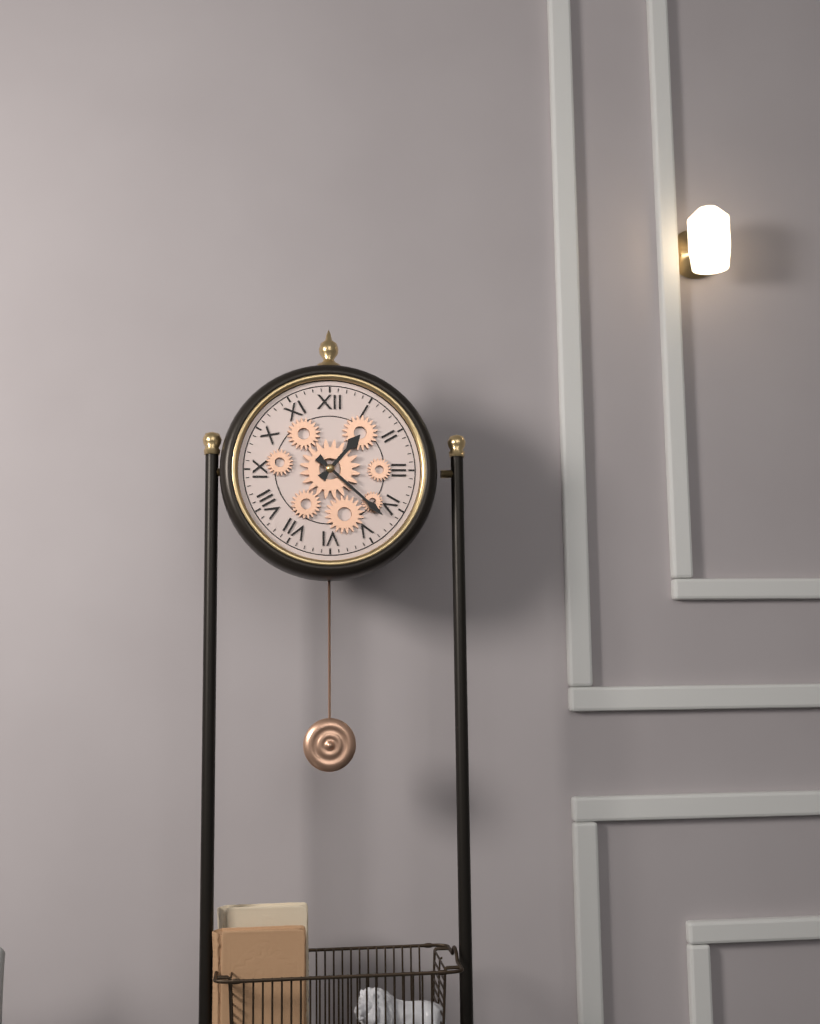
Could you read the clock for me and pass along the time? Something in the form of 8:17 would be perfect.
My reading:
1:22
